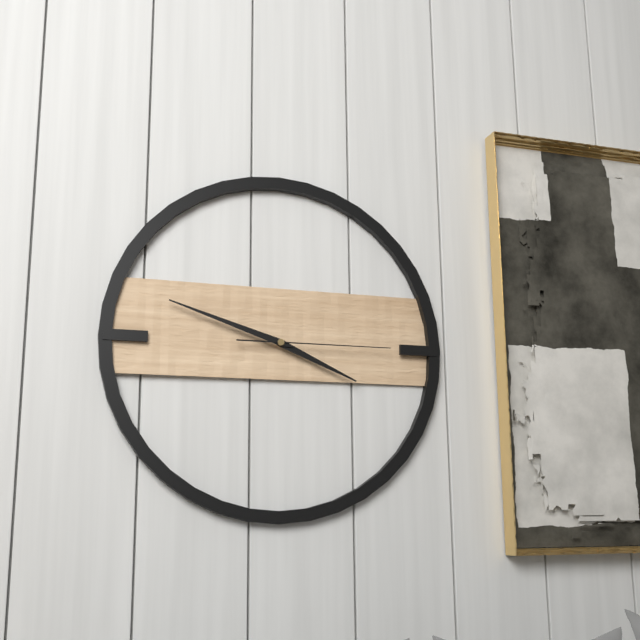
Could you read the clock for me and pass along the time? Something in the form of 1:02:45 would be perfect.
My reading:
3:48:15
